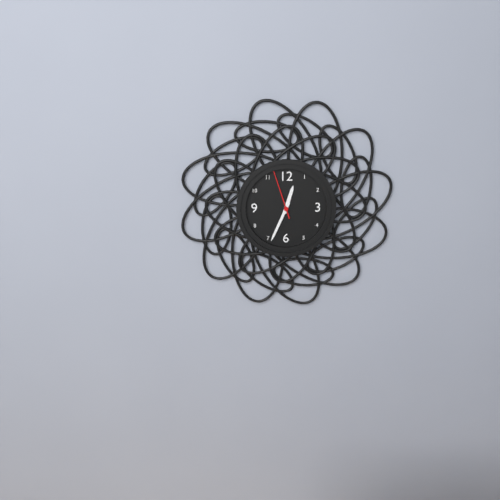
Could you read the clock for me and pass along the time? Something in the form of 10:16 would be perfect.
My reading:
12:34
